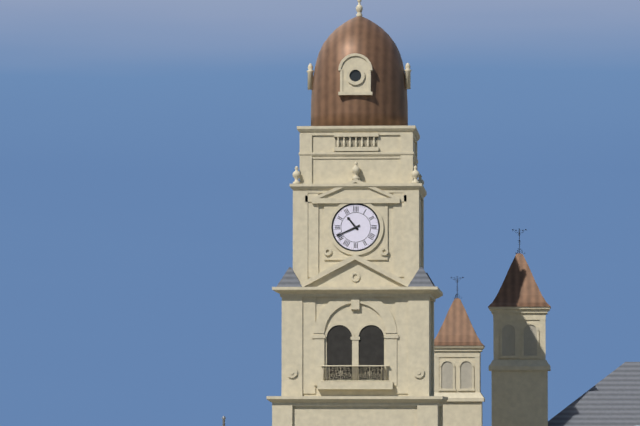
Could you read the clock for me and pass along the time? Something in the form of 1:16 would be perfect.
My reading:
10:41
